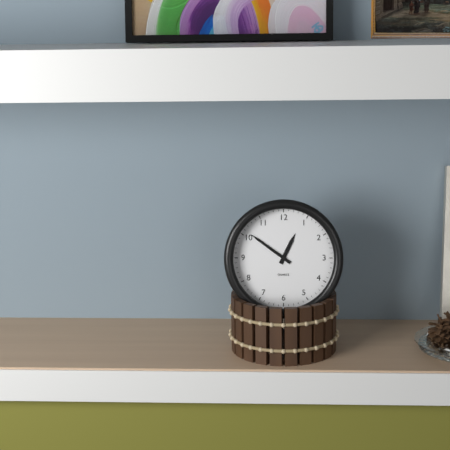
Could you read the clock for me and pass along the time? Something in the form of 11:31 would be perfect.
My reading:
12:51
